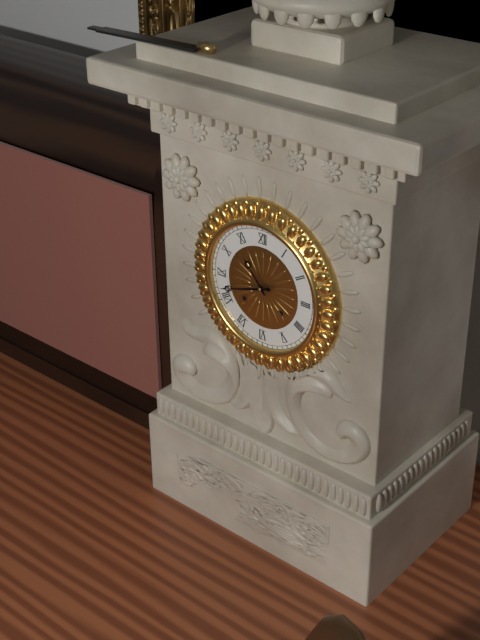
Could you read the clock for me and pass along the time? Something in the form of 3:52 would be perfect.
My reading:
10:42
